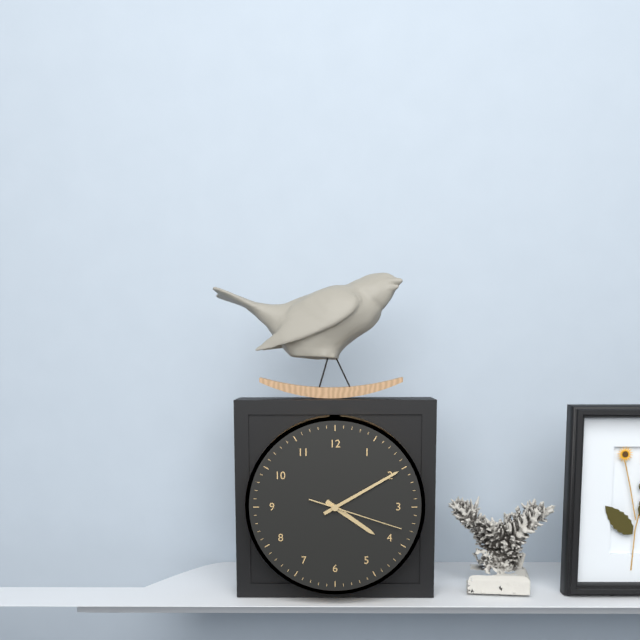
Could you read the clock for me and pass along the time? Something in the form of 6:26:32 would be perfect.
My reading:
4:10:18
